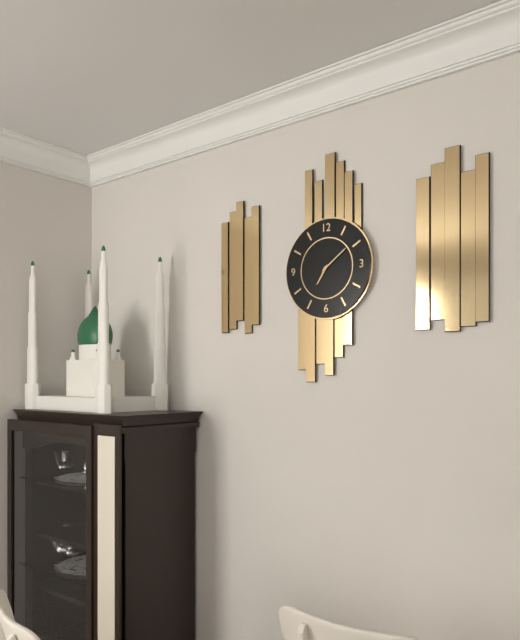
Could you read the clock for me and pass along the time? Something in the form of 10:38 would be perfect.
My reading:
7:09
